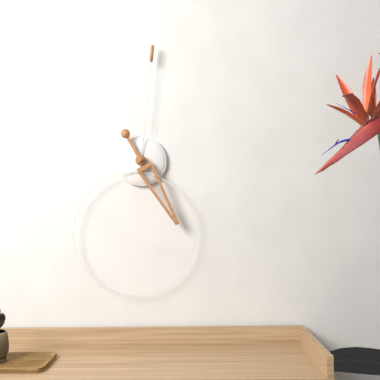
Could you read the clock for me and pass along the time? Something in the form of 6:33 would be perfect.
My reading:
5:01
